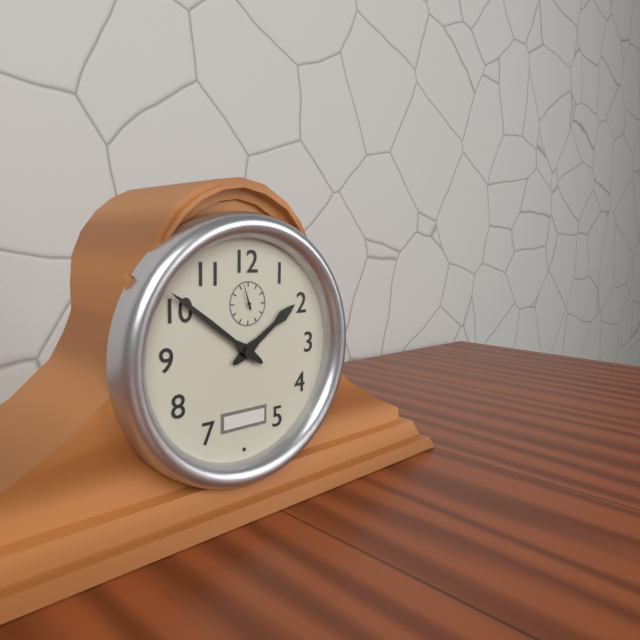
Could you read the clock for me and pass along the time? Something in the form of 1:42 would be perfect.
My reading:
1:51
